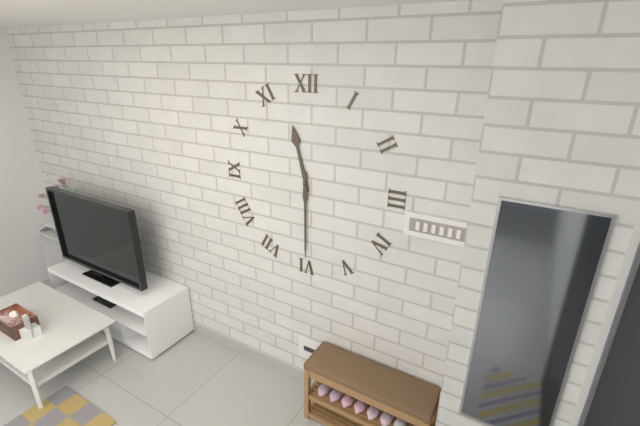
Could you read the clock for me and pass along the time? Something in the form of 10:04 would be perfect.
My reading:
11:30
